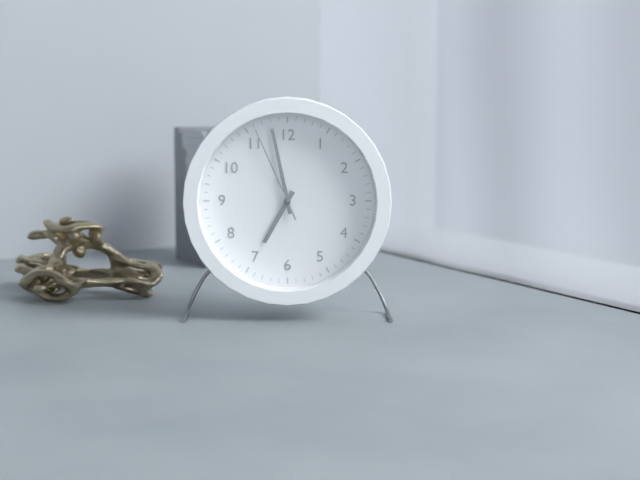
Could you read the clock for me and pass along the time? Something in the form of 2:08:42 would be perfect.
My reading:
6:58:56
